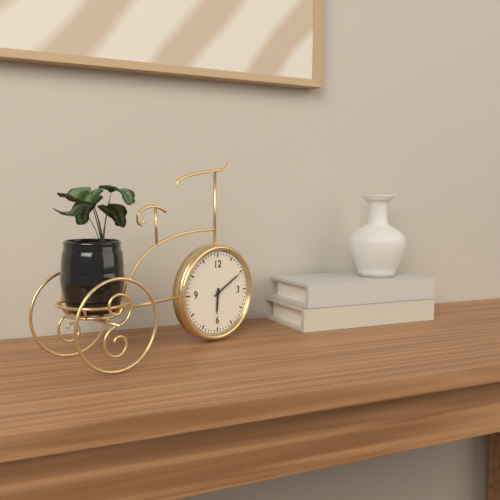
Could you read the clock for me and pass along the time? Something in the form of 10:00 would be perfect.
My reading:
6:10
